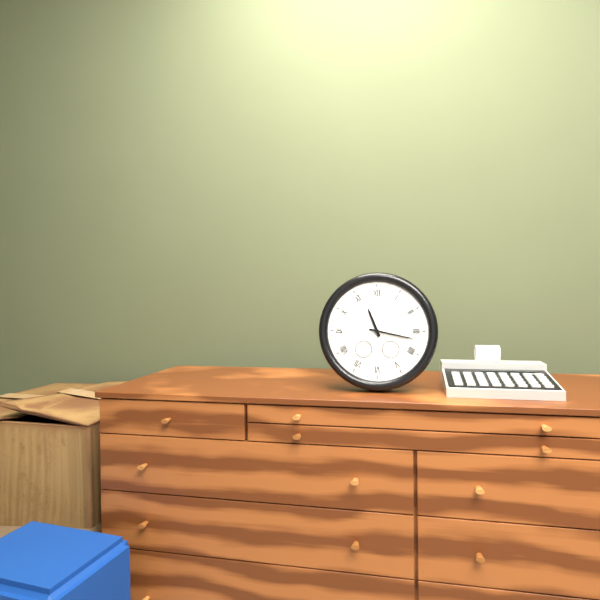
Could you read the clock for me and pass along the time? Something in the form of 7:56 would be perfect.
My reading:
11:17
